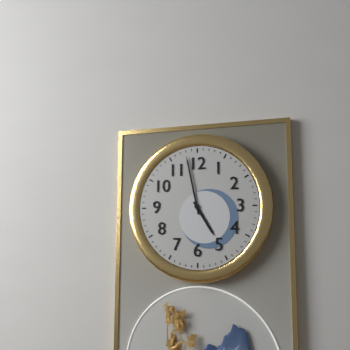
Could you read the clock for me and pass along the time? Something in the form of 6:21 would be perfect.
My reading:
4:58
